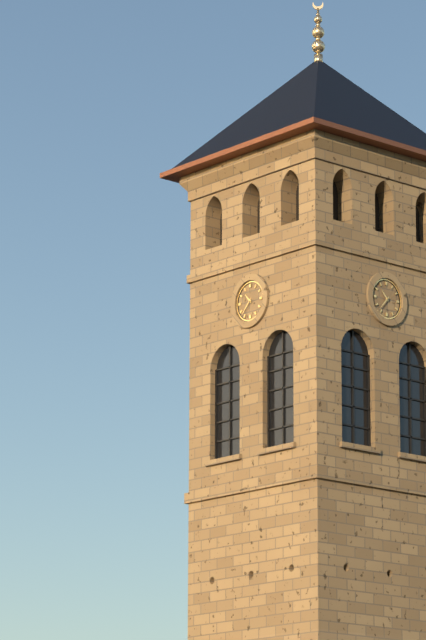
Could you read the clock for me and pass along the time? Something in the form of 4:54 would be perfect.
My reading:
10:37
